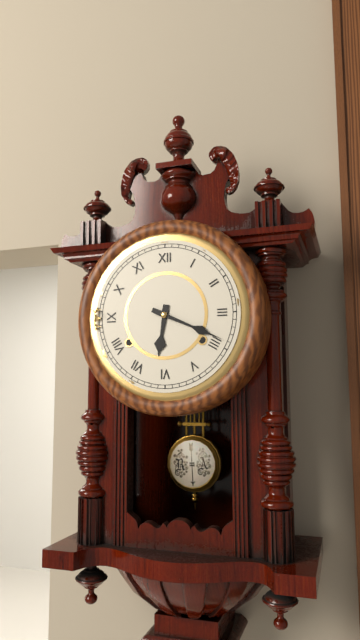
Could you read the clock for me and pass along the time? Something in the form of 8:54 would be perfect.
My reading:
6:19
